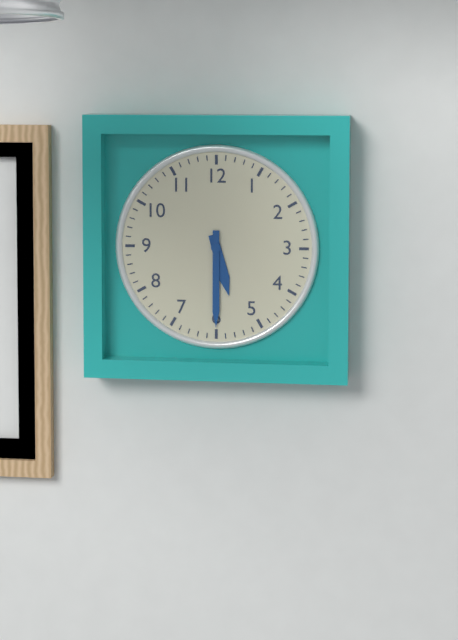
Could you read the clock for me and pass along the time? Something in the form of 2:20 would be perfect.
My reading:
5:30
